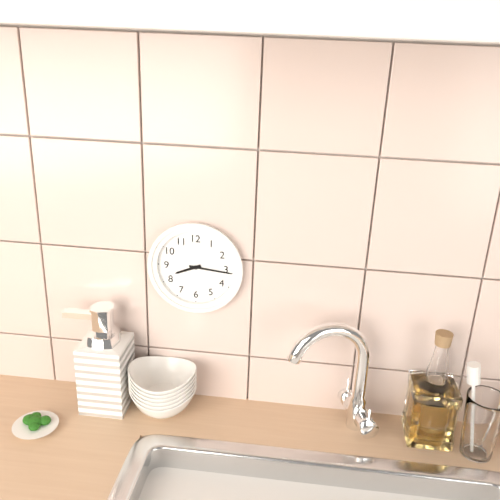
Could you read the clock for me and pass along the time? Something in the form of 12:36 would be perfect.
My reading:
8:16
